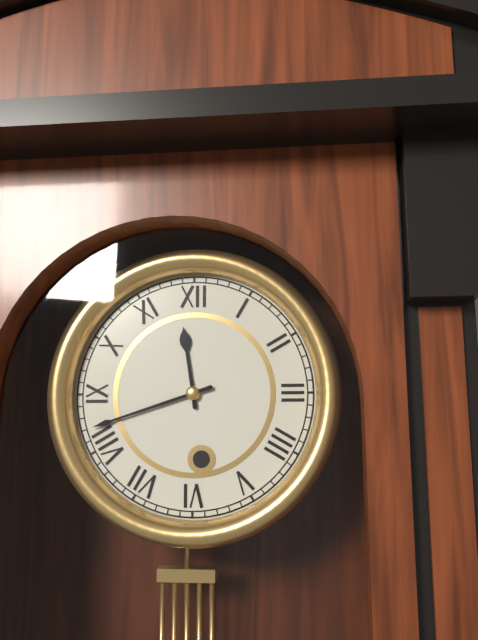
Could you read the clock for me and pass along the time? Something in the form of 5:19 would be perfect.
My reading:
11:42
